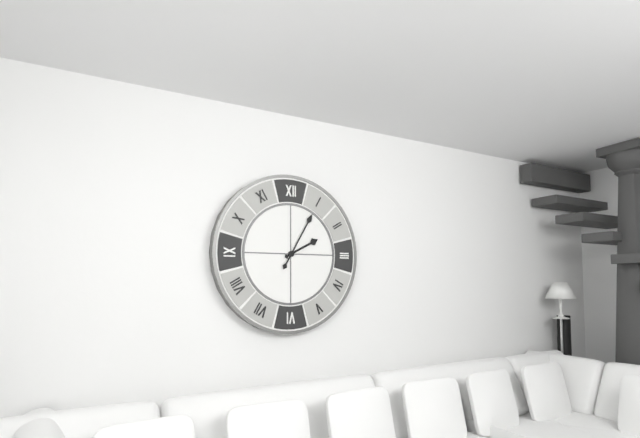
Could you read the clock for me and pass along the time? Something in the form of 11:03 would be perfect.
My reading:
2:05
